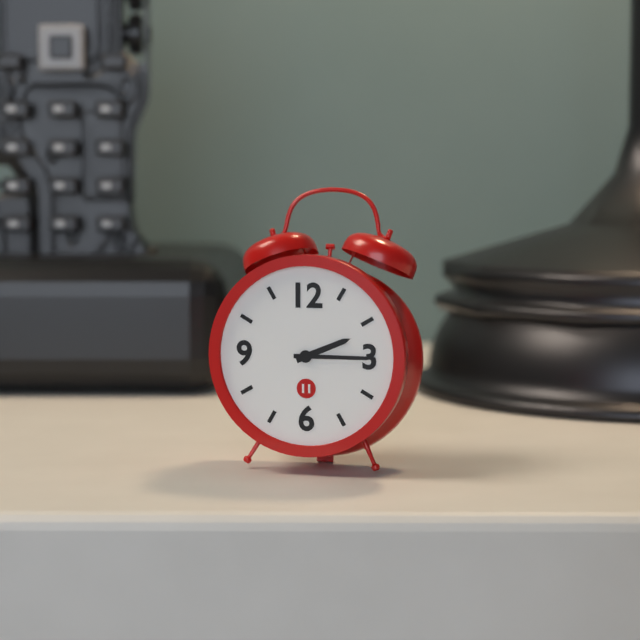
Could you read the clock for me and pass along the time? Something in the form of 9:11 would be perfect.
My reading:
2:15
